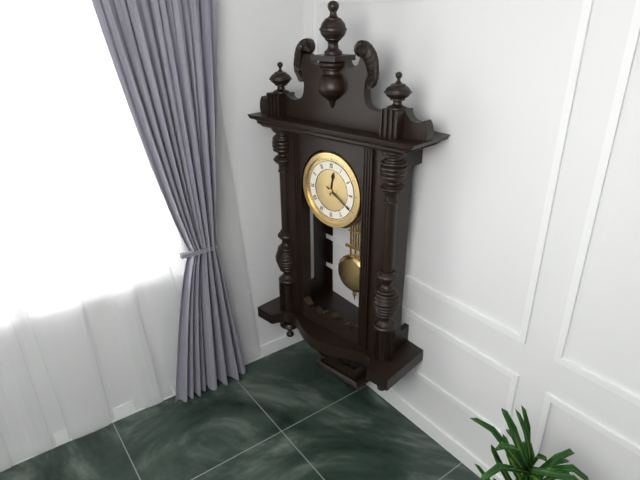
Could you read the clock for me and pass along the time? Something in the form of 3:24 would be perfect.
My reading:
12:20
